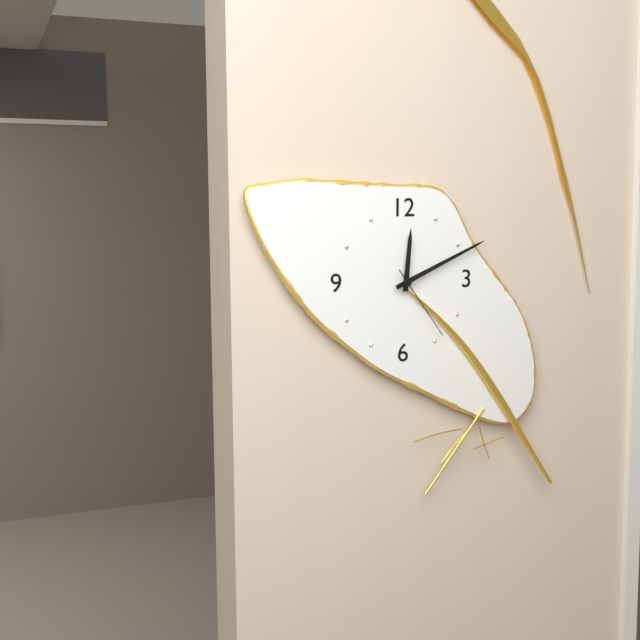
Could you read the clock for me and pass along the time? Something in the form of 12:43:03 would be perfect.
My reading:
12:11:24
